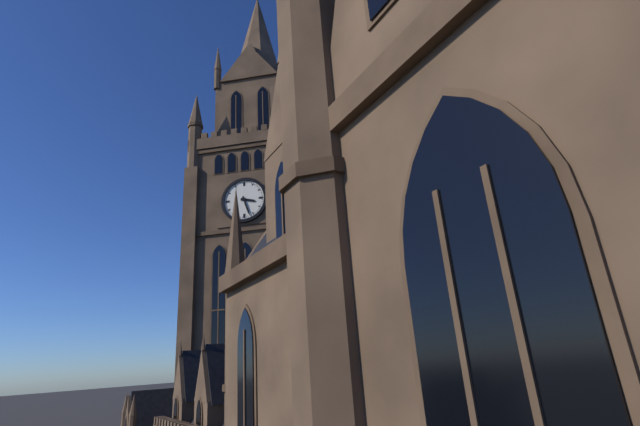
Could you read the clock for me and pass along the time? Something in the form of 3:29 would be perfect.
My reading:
3:27
